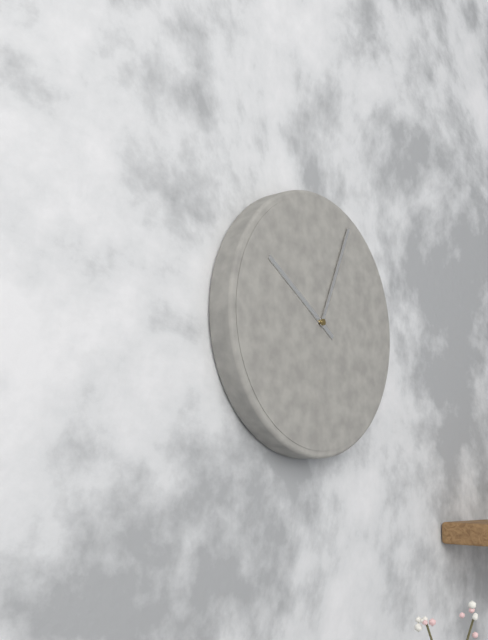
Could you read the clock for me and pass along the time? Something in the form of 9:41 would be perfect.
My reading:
10:04
